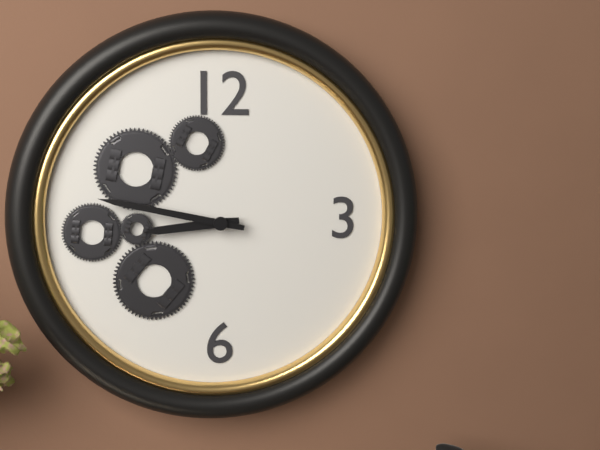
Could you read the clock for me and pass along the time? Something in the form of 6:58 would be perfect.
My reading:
8:47
